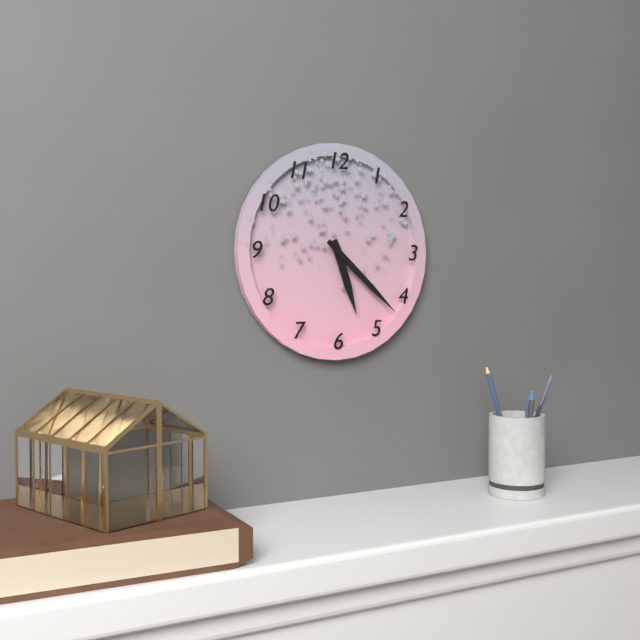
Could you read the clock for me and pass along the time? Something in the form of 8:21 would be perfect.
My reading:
5:22
